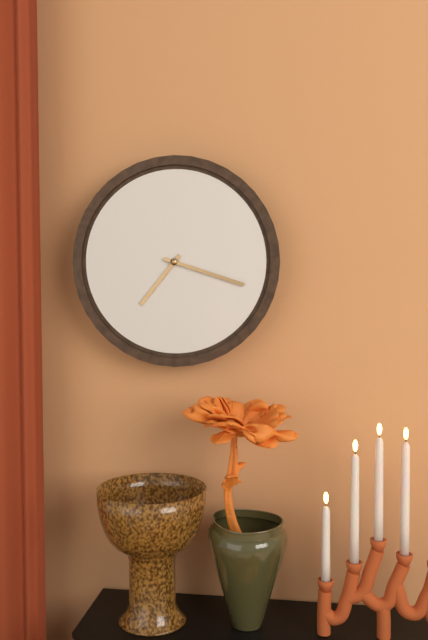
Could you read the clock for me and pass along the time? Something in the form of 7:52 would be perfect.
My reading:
7:18
